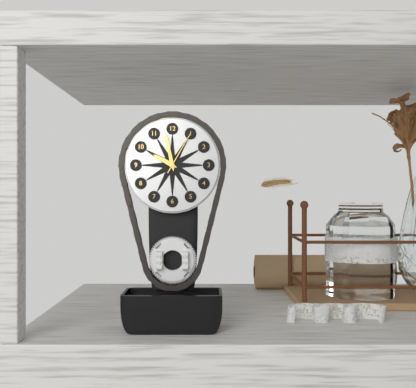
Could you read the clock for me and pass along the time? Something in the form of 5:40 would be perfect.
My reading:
9:58
